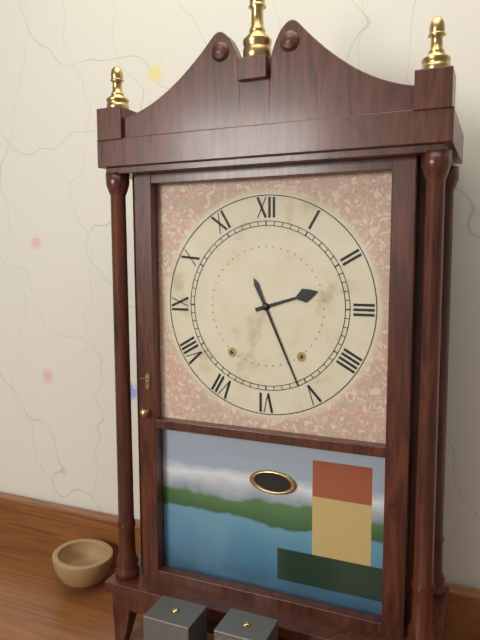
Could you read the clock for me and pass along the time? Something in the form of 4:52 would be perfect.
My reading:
2:26
